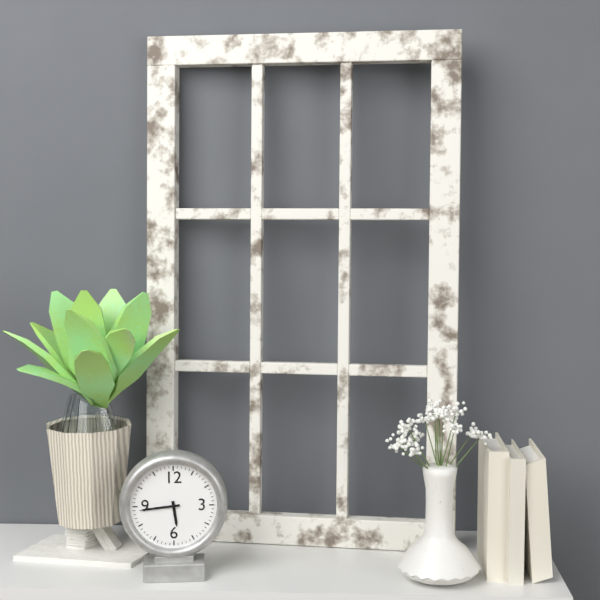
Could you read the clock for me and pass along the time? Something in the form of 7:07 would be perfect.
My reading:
5:44
